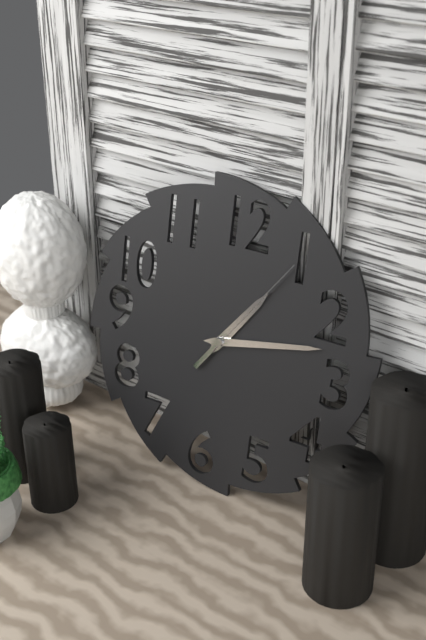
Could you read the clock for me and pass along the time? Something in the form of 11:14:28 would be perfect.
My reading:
1:13:06
